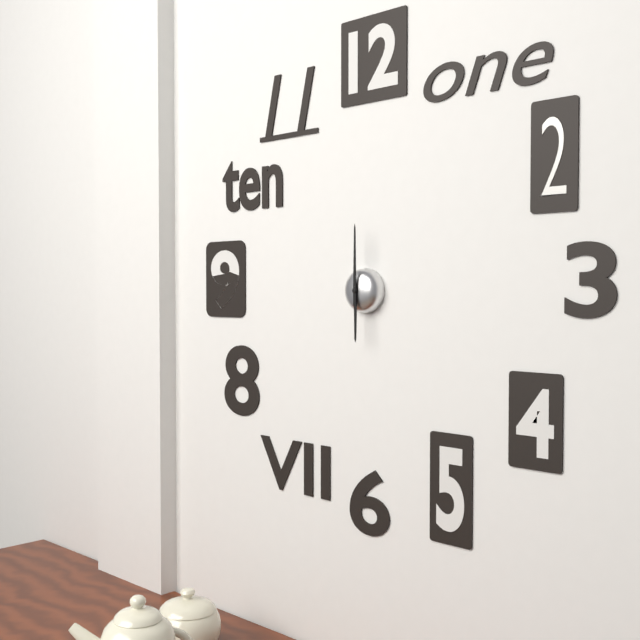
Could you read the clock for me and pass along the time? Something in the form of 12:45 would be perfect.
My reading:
6:00
